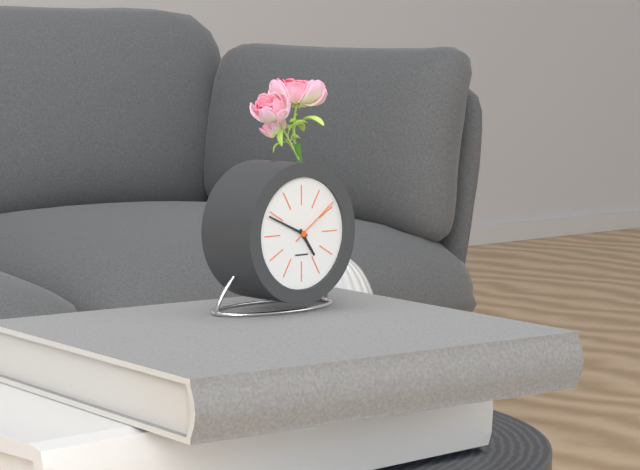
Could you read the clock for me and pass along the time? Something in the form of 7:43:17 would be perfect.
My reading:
4:49:09
